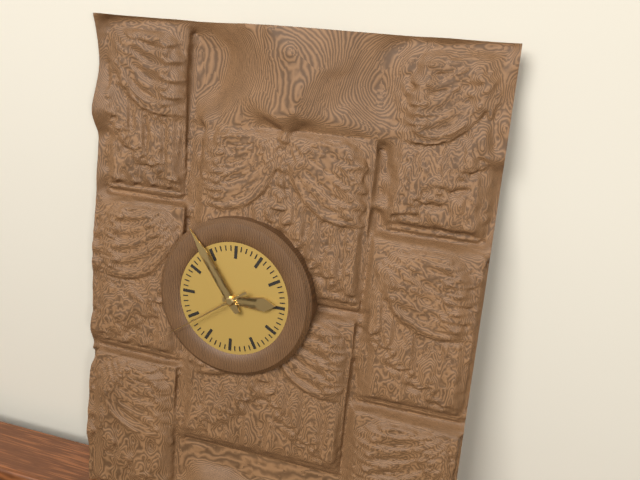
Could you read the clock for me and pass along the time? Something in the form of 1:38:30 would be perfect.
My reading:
2:54:39
